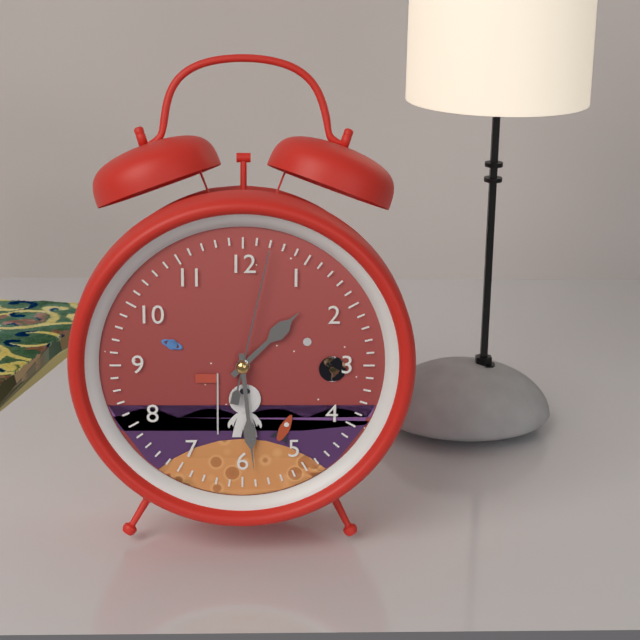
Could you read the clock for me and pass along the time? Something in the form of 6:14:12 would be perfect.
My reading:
1:29:02
